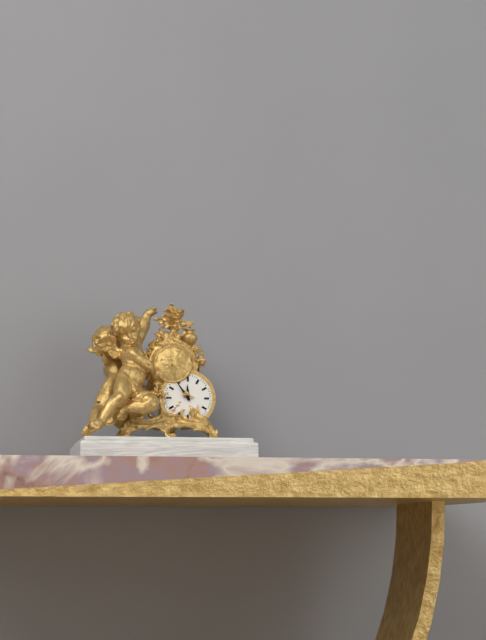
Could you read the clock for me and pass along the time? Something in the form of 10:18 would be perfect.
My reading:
11:54
